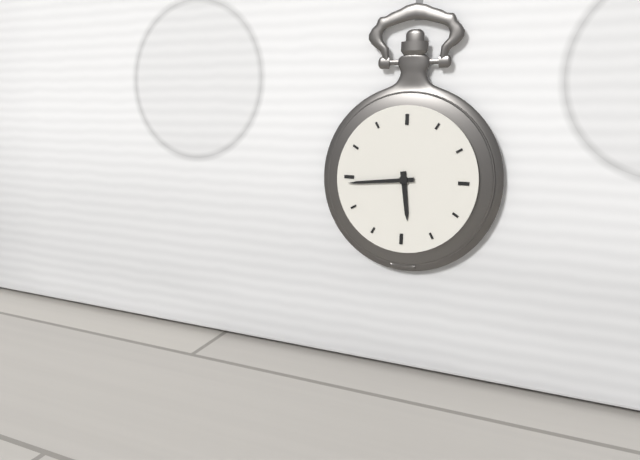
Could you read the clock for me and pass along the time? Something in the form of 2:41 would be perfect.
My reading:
5:44
